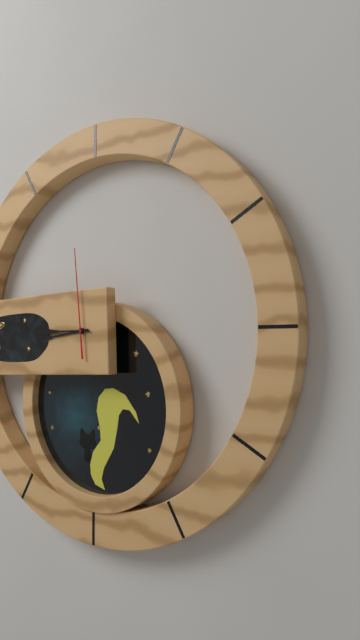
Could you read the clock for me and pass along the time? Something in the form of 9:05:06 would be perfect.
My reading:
8:45:59
